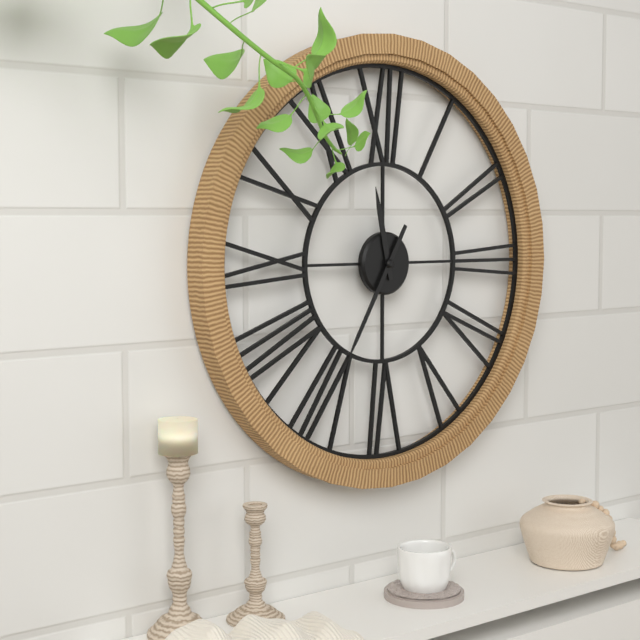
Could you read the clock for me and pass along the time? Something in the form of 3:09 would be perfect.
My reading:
11:35
